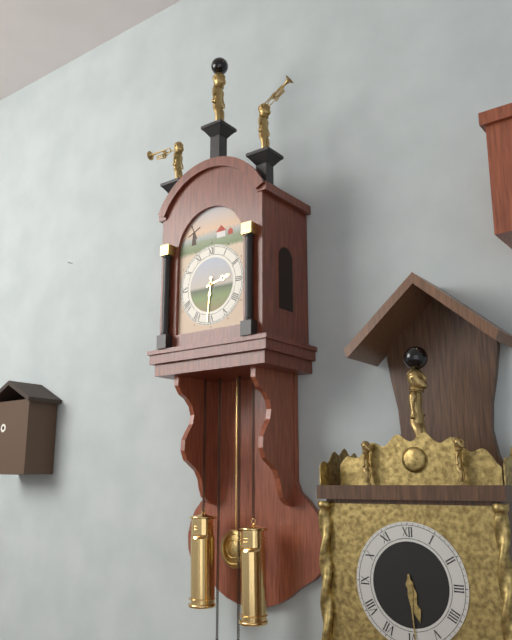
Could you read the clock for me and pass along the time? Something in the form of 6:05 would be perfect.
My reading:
2:31
